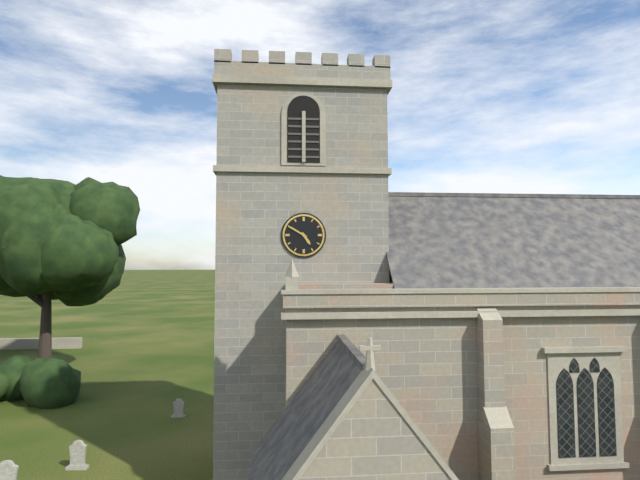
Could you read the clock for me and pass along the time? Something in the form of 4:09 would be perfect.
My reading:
4:50
